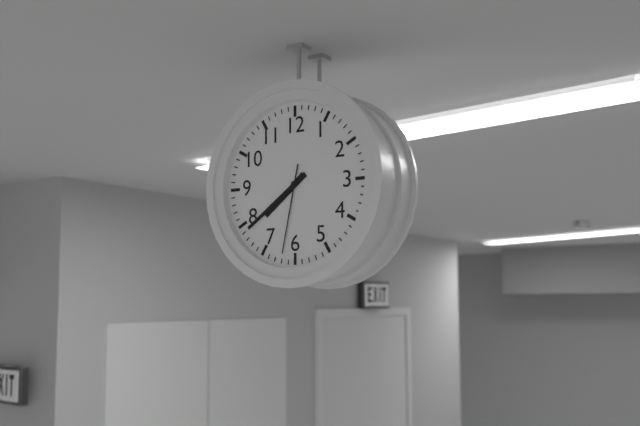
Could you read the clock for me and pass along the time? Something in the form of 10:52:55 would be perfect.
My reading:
7:39:32
